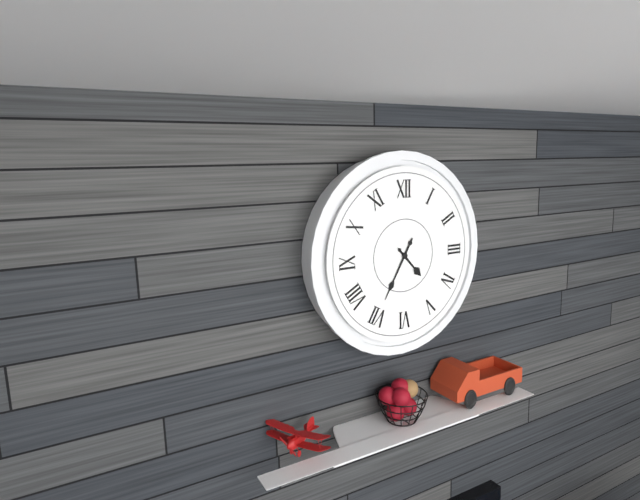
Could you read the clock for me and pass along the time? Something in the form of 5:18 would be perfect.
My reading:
4:35
